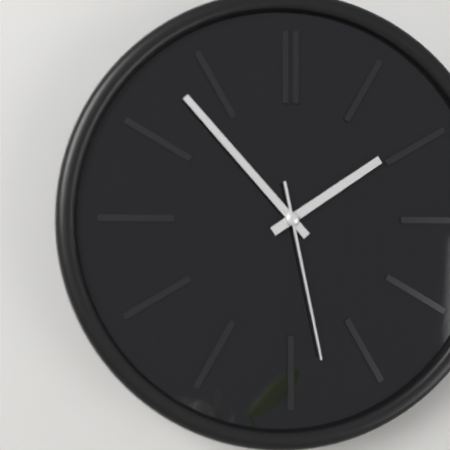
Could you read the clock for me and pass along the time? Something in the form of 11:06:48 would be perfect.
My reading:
1:53:28
